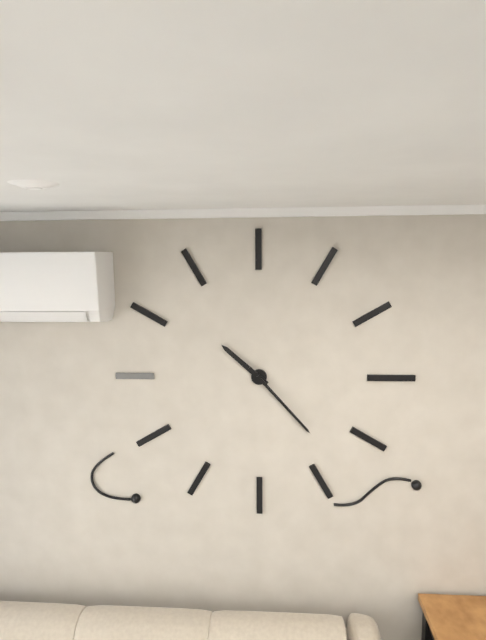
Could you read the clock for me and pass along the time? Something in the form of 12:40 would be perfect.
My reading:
10:23
